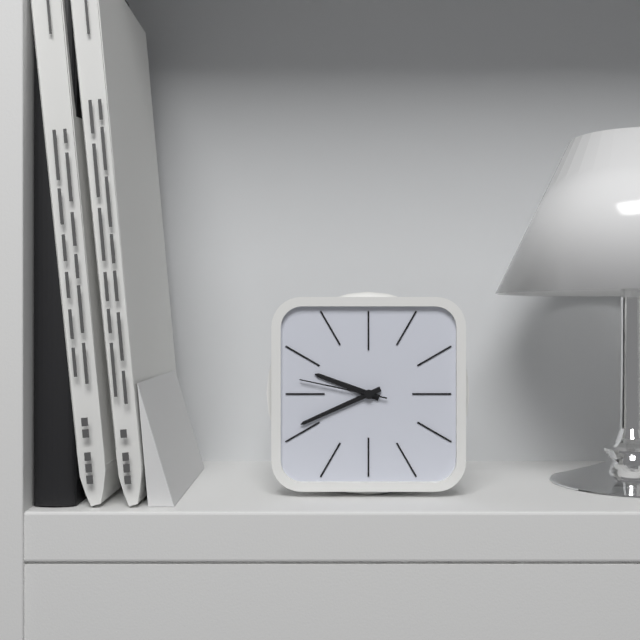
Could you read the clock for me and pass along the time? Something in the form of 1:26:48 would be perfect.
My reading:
9:41:47
